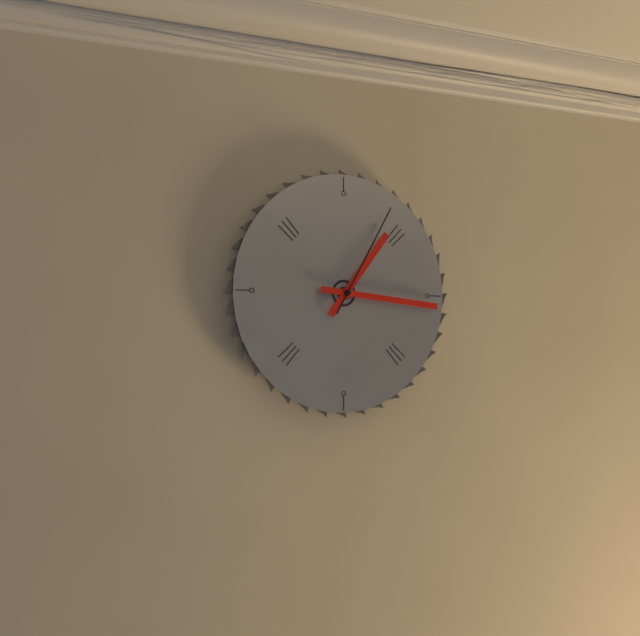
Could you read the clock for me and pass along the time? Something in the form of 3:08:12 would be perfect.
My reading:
1:16:05
